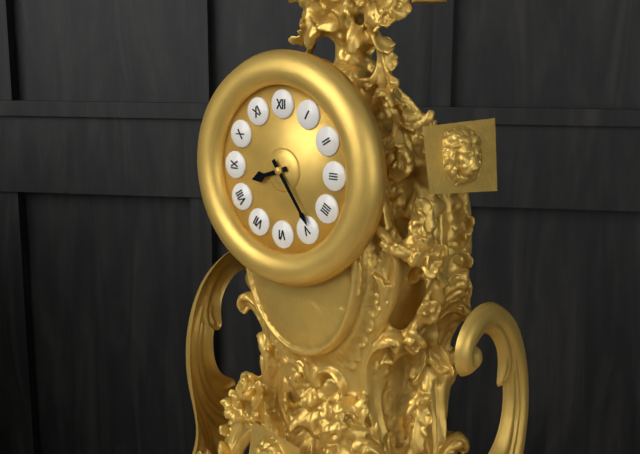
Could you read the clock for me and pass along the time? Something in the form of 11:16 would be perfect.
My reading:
8:24
